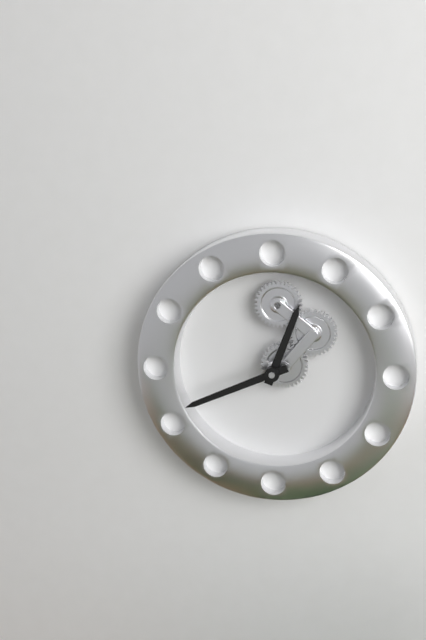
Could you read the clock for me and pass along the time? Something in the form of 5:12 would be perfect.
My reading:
12:41
